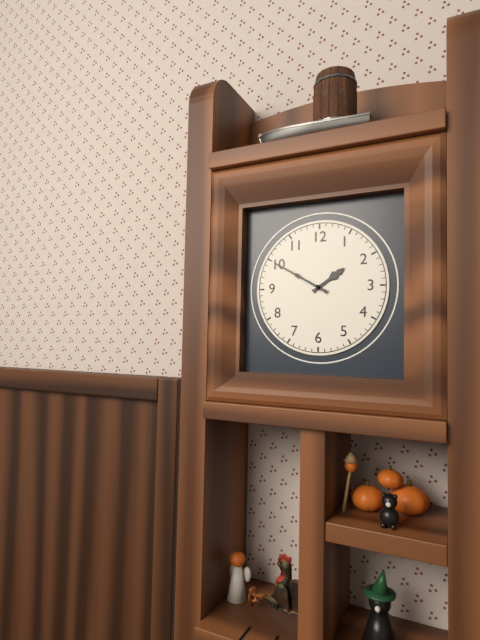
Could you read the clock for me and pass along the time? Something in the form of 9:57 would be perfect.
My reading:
1:50
